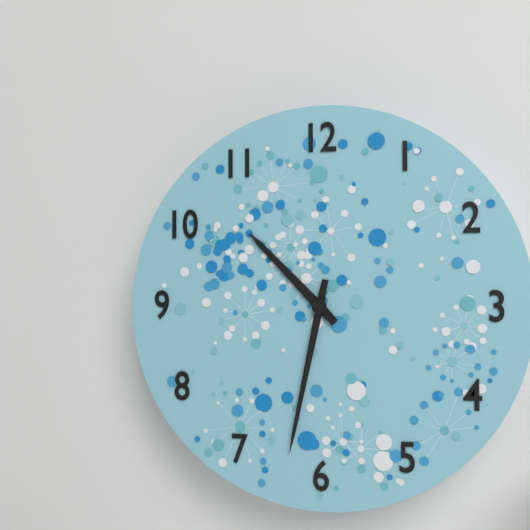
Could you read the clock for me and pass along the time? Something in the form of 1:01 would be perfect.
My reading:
10:32
